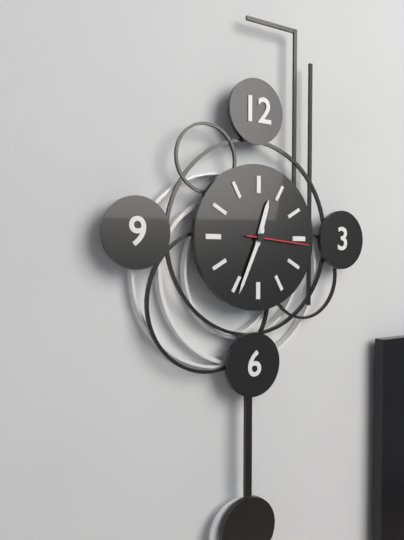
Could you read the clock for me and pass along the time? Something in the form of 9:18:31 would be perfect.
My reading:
12:34:16
